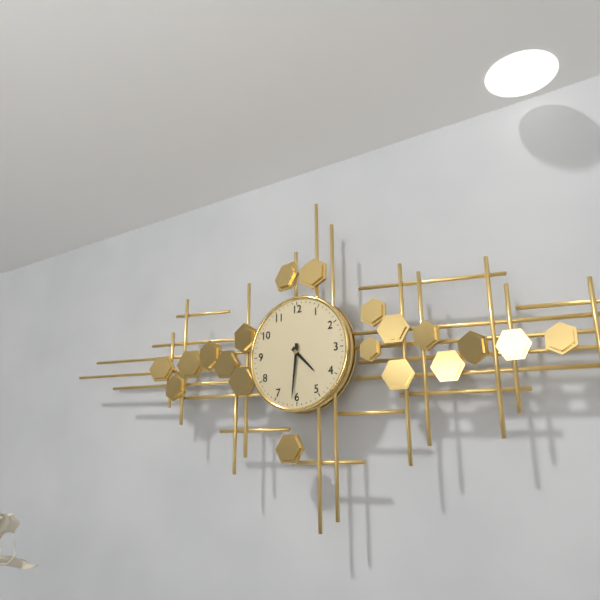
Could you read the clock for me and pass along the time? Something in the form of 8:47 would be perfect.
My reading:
4:31
